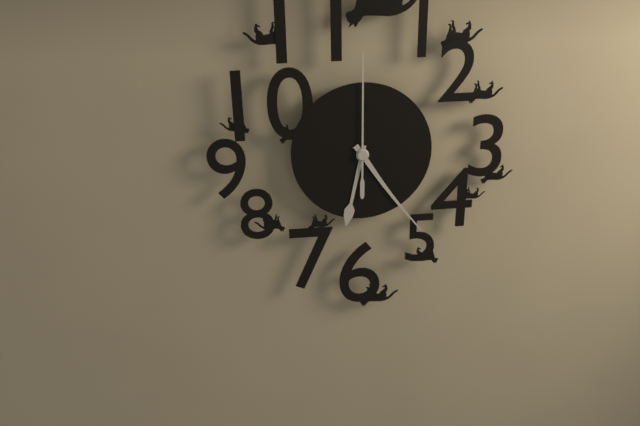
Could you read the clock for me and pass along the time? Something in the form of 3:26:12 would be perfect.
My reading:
6:24:00
